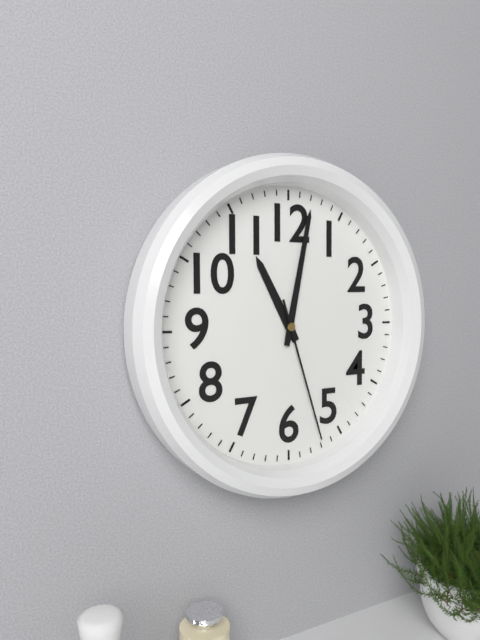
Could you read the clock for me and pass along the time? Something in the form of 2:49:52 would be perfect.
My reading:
11:02:27
